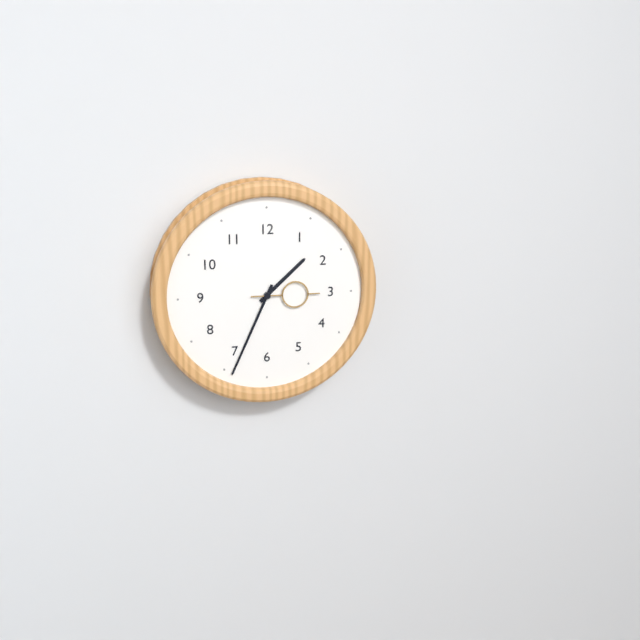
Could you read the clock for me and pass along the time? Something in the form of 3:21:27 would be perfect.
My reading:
1:34:15
